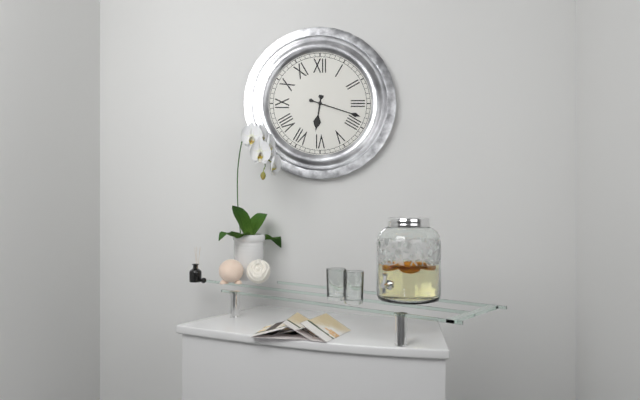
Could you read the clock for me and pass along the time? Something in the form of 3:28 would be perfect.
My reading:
6:18
